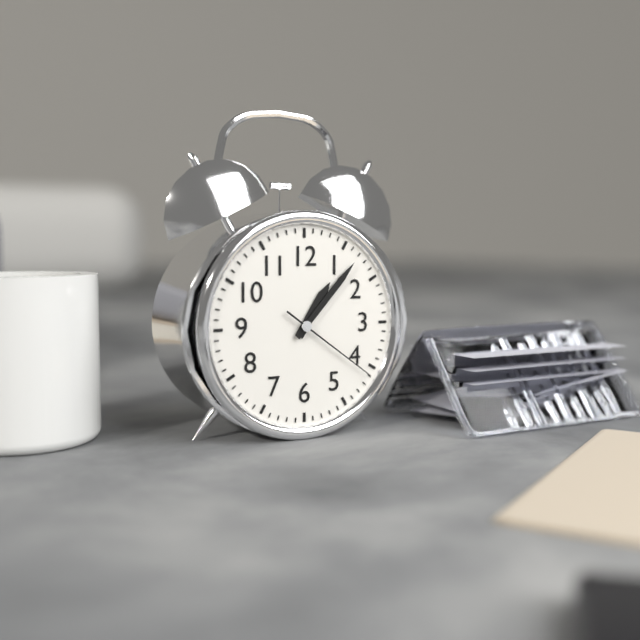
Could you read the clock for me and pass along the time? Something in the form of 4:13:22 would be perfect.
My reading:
1:07:21
